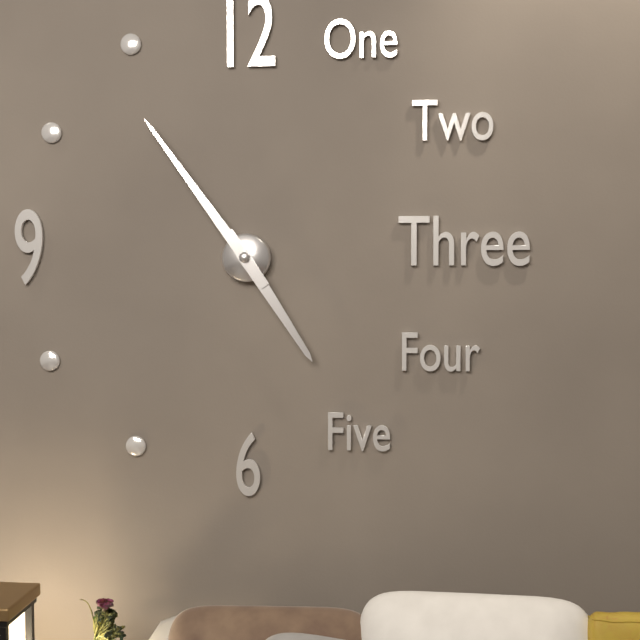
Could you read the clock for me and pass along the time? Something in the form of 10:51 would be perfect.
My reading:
4:54
